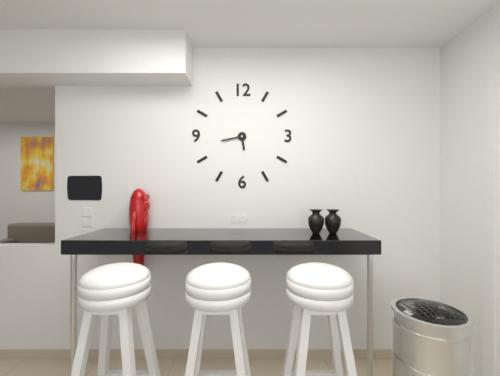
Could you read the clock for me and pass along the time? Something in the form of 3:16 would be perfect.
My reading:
5:43
